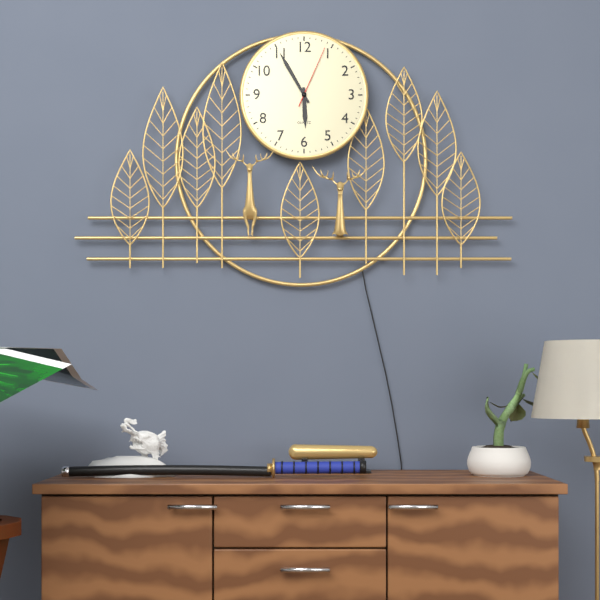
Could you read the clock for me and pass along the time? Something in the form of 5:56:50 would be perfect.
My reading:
5:55:04
